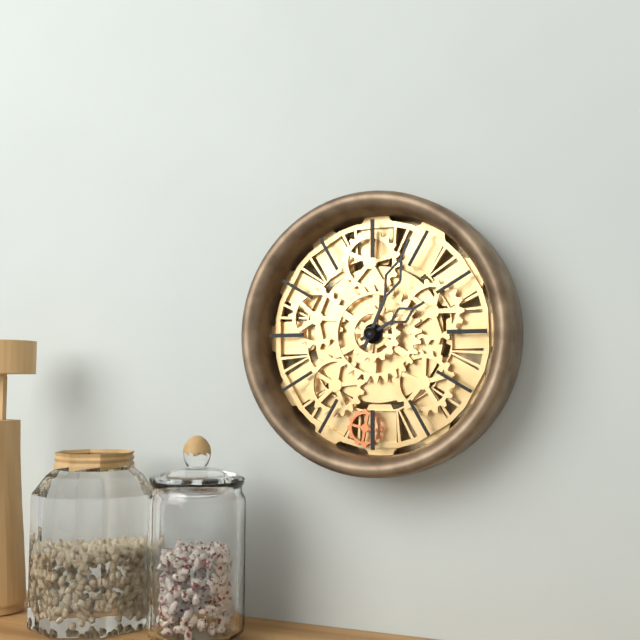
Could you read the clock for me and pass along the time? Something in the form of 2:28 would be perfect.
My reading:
2:04
